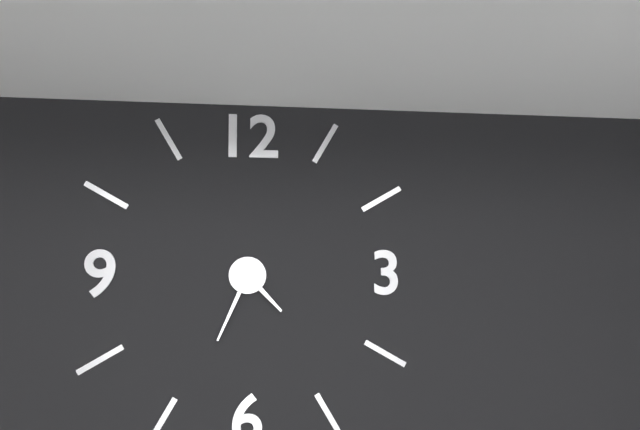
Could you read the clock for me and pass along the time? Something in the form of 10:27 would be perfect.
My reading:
4:34
